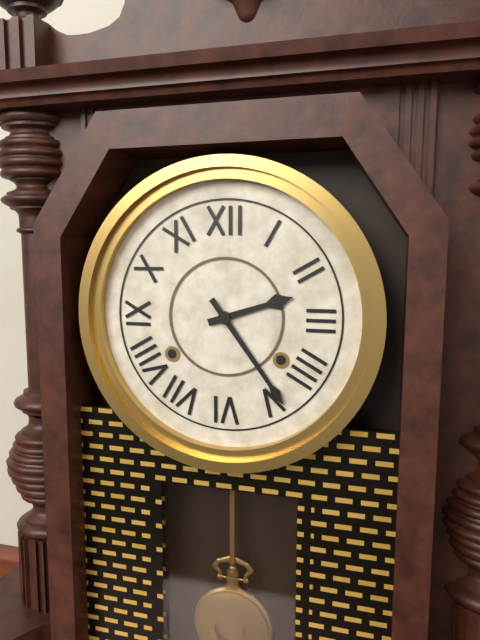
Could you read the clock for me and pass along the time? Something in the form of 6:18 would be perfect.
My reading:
2:24
